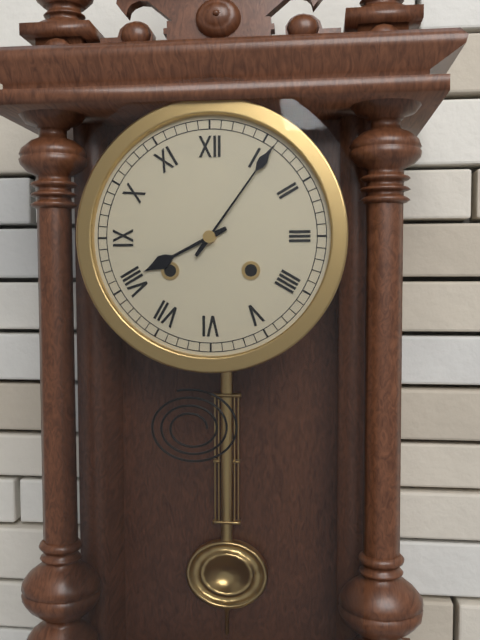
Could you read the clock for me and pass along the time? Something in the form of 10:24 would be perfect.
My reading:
8:06
